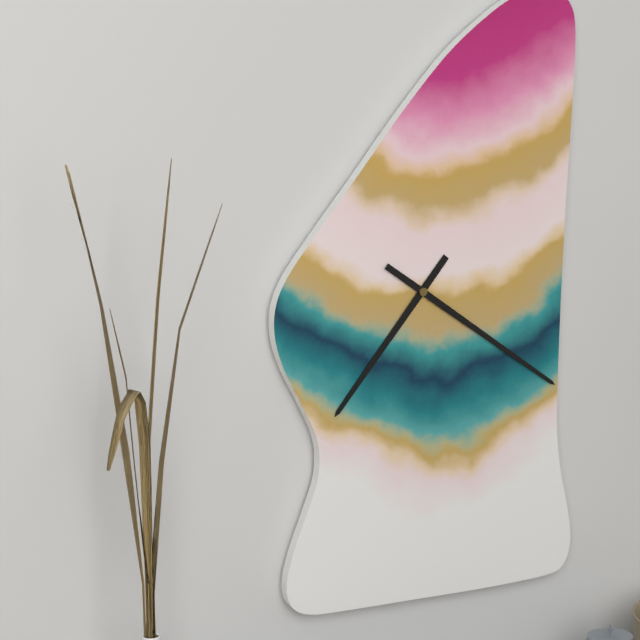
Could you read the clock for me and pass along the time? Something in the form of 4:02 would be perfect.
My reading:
7:21
